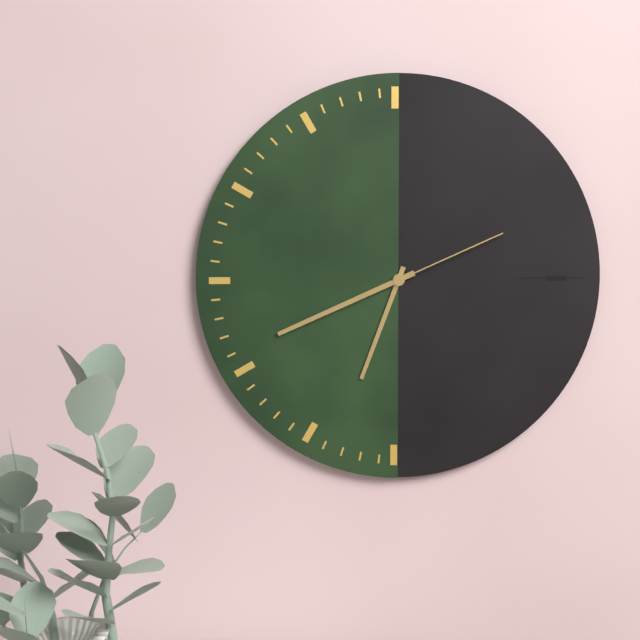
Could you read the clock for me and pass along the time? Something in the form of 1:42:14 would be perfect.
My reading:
6:41:11
